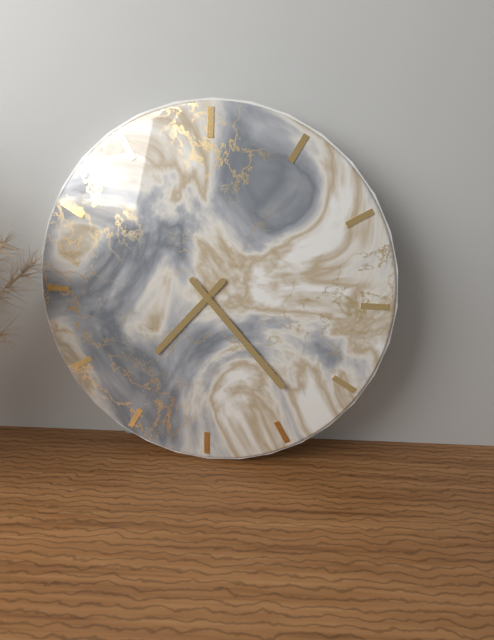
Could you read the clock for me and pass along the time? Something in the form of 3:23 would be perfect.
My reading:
7:23
